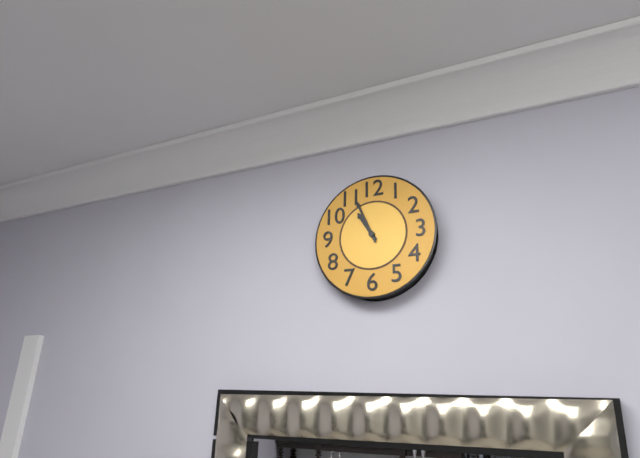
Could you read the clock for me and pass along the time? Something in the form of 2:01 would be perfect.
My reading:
10:56
